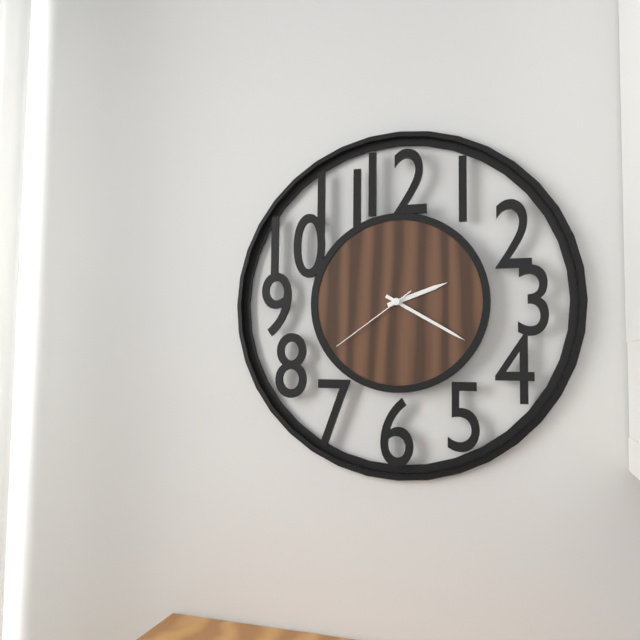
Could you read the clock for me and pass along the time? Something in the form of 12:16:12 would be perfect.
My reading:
2:20:39
